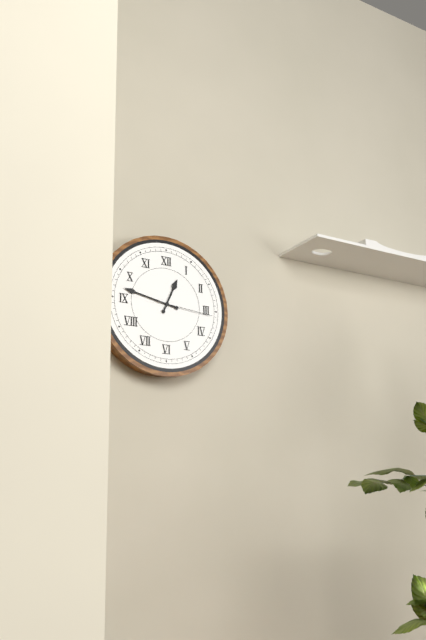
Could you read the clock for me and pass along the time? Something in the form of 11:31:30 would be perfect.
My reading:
12:47:16
